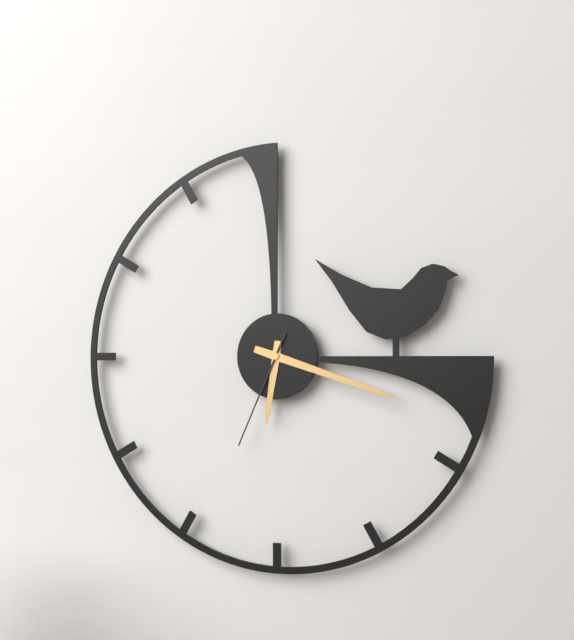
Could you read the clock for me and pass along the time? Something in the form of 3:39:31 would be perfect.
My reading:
6:18:34
